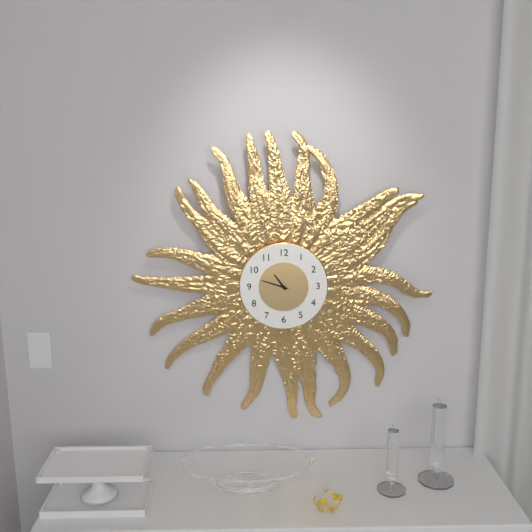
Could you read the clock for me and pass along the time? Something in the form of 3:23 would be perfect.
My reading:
10:48
